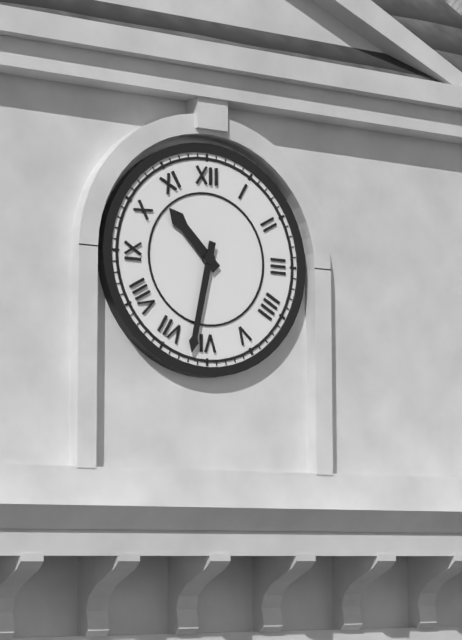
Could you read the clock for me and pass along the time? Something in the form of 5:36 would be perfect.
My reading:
10:32
